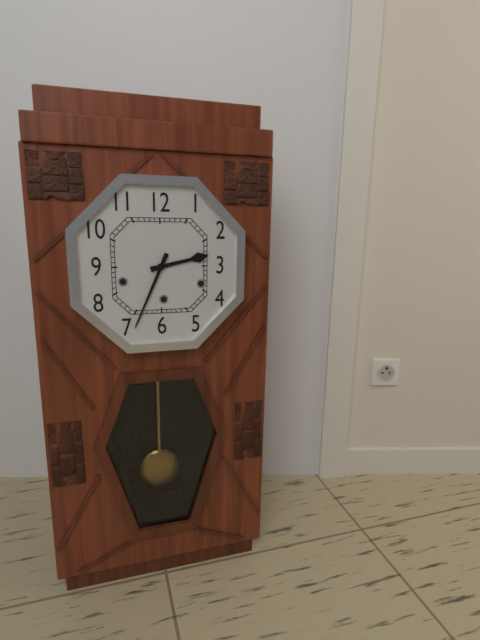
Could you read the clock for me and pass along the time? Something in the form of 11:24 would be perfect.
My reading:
2:34
